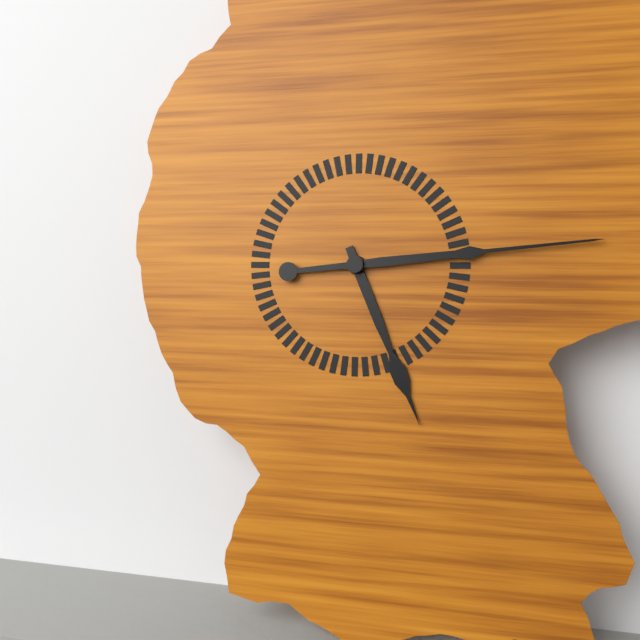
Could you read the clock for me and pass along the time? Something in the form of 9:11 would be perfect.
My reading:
5:14
